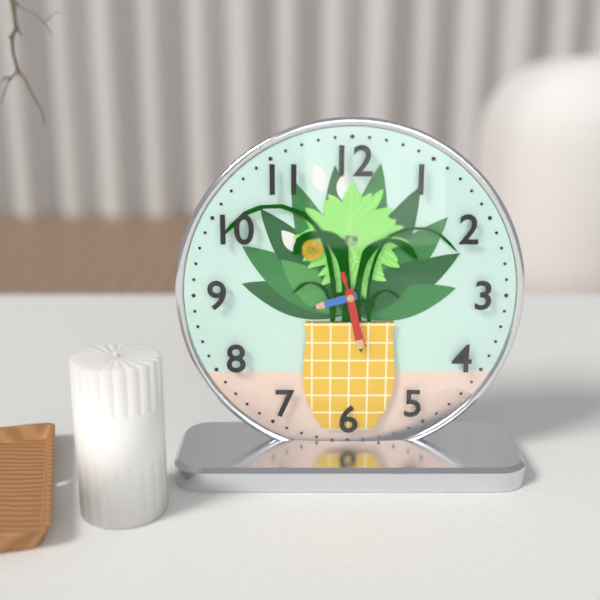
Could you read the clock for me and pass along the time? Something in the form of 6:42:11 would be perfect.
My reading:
8:28:27
